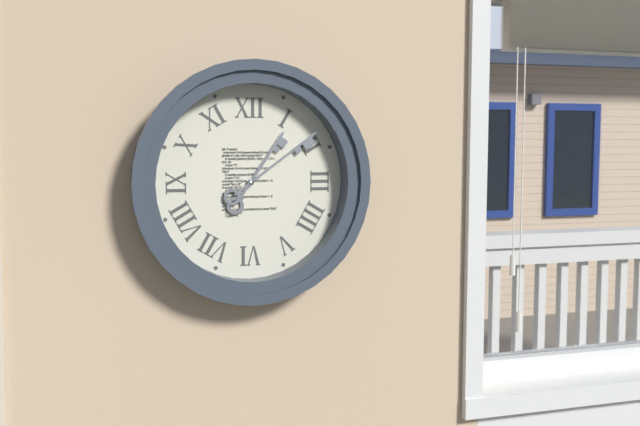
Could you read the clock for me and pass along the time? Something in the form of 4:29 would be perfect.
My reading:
1:09
